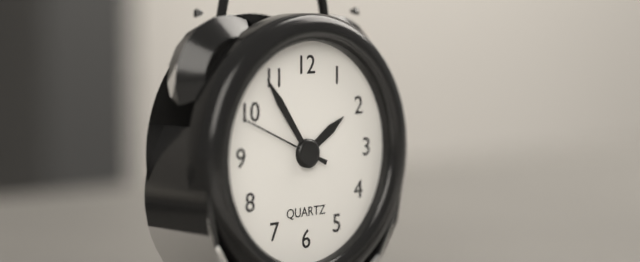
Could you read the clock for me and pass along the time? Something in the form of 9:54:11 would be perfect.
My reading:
1:54:49
